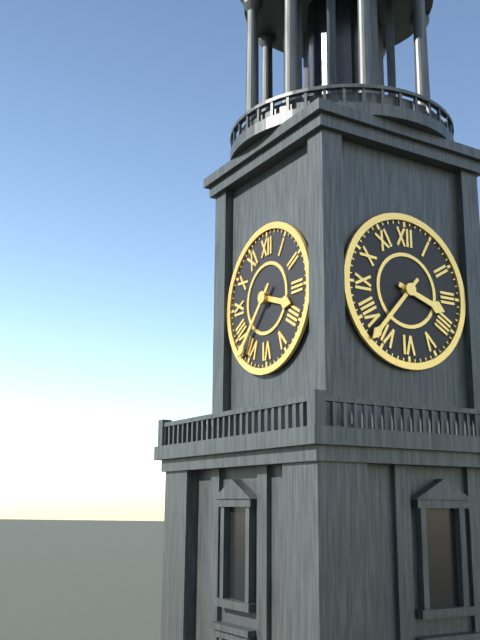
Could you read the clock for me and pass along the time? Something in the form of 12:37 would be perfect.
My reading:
3:37
